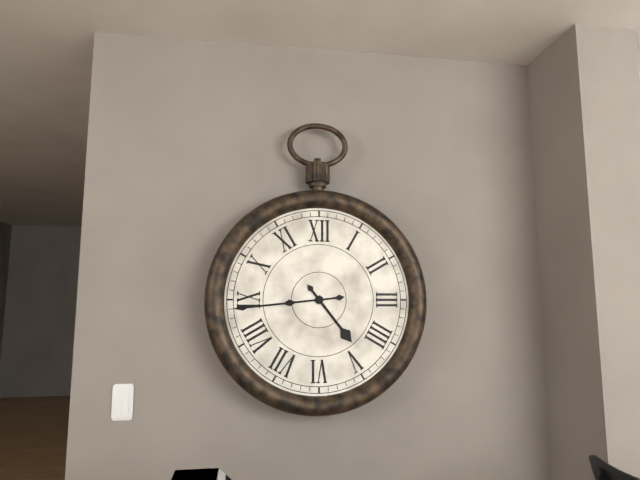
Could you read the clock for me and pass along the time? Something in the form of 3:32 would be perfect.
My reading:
4:44
